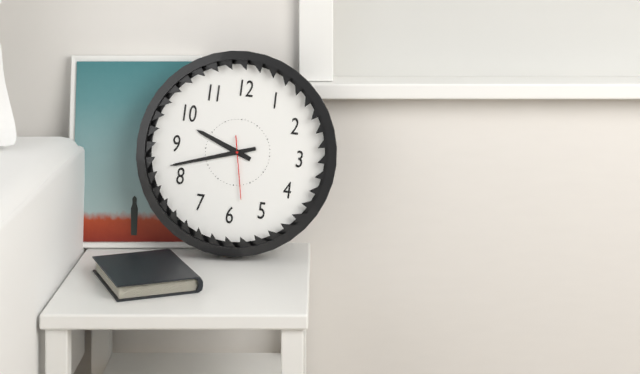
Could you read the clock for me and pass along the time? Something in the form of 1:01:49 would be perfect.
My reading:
9:42:28
